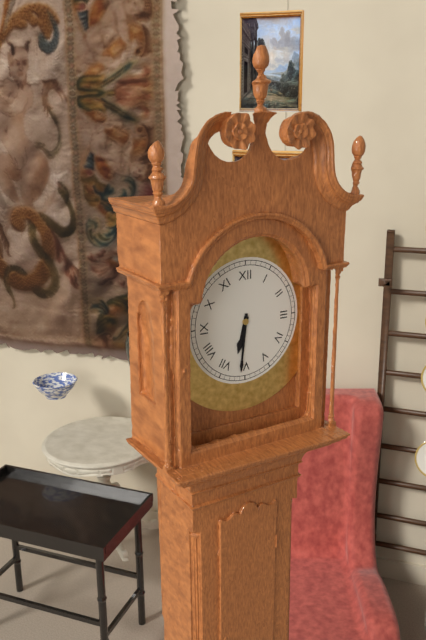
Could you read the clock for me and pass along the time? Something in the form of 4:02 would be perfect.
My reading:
6:31
